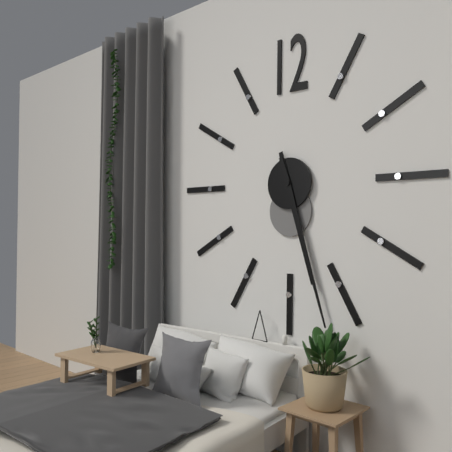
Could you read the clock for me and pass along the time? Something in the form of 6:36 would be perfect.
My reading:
5:27
